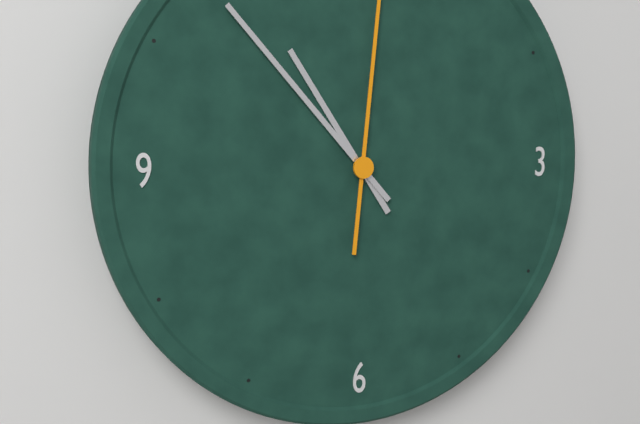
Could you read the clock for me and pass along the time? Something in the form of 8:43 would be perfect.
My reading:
10:53
